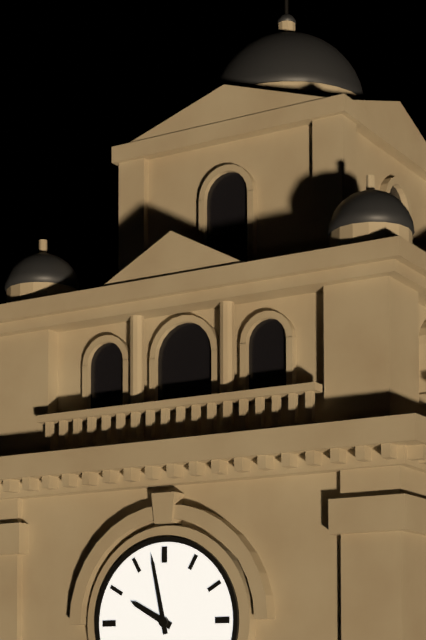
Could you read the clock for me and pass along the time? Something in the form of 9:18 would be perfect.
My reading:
9:58
